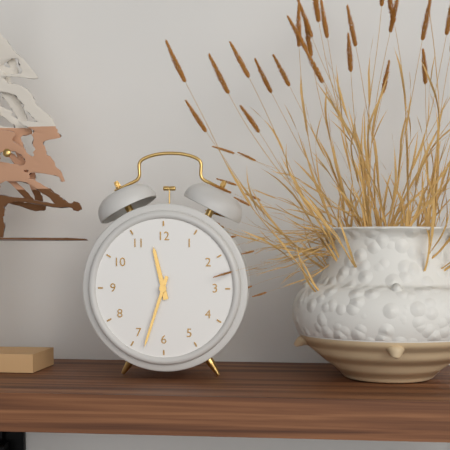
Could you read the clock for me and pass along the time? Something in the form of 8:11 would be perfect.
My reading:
11:33
